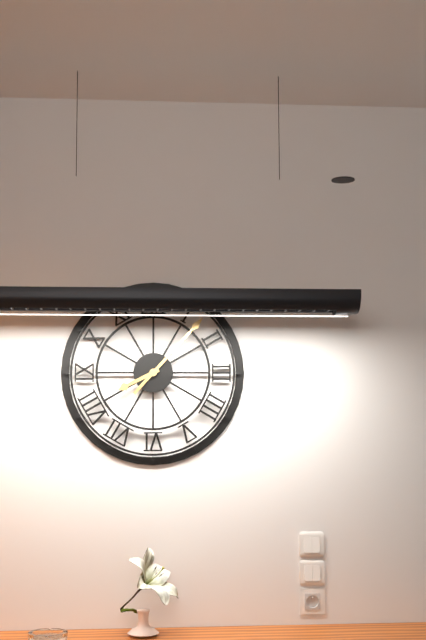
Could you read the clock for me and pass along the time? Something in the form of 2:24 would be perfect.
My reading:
8:07
